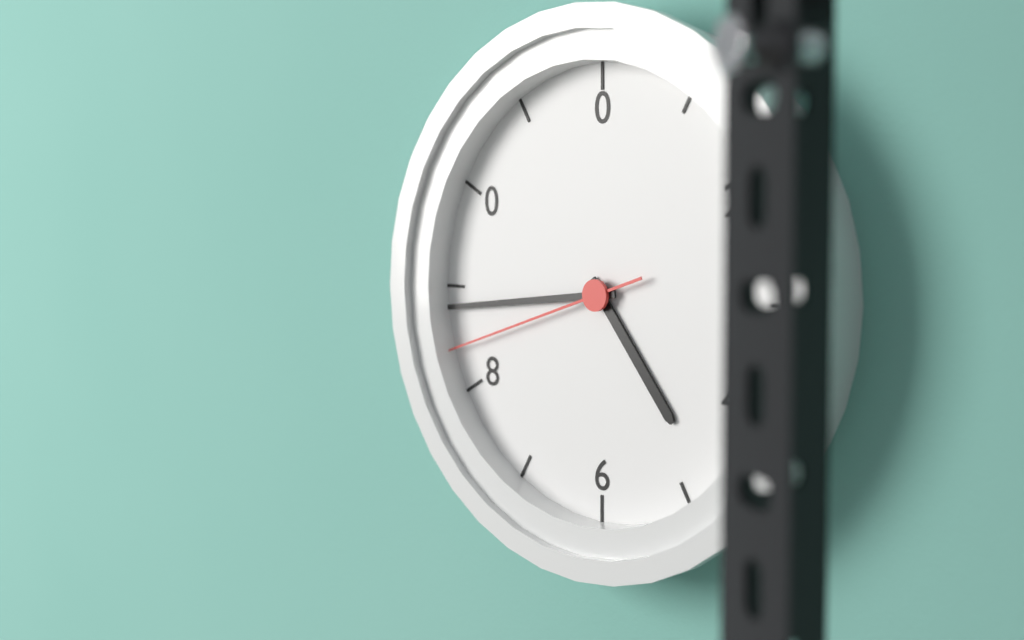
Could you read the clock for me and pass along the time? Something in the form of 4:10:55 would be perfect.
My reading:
4:44:42
